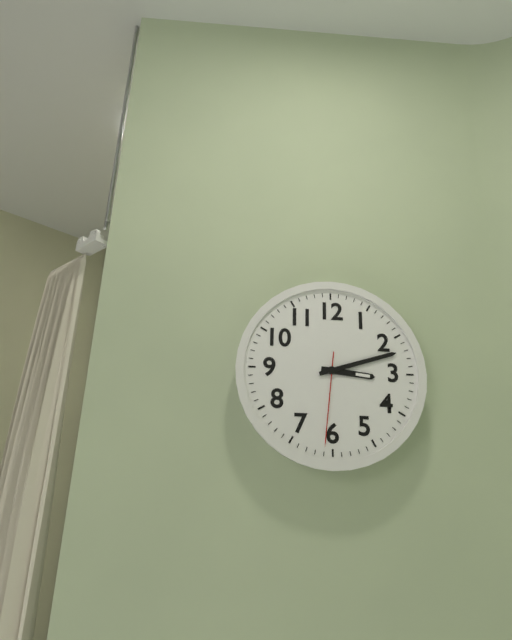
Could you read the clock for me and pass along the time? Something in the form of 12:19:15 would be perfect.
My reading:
3:12:31
